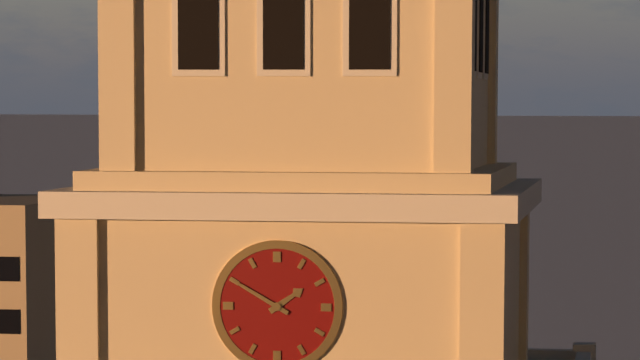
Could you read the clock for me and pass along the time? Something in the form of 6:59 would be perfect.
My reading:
1:50
